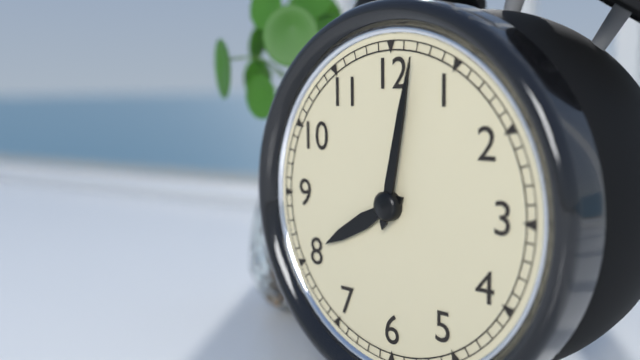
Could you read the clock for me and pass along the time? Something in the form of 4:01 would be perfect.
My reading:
8:02
